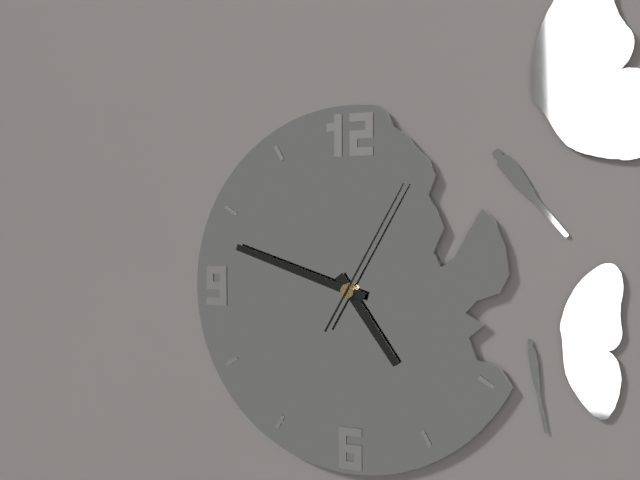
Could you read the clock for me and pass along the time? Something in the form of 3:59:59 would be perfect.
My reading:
4:48:05
